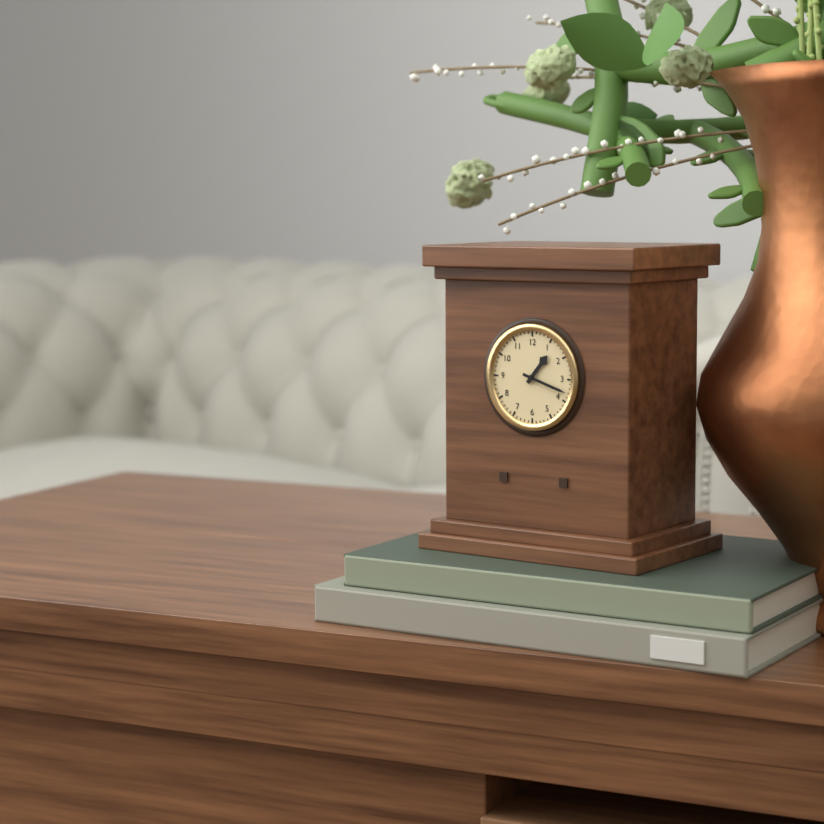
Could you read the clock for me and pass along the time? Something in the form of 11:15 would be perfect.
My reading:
1:18
